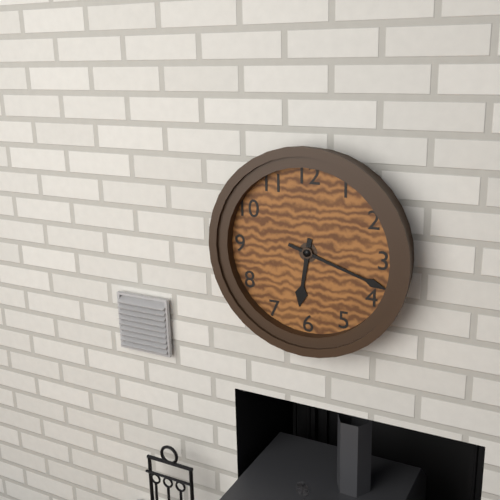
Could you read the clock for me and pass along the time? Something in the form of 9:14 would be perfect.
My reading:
6:18
